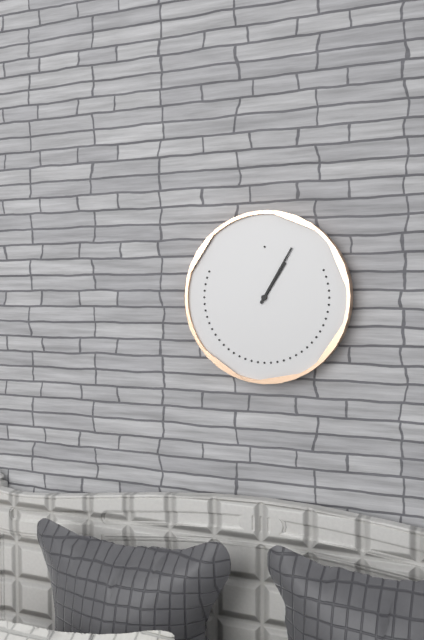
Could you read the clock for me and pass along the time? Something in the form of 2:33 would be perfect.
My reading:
1:05
